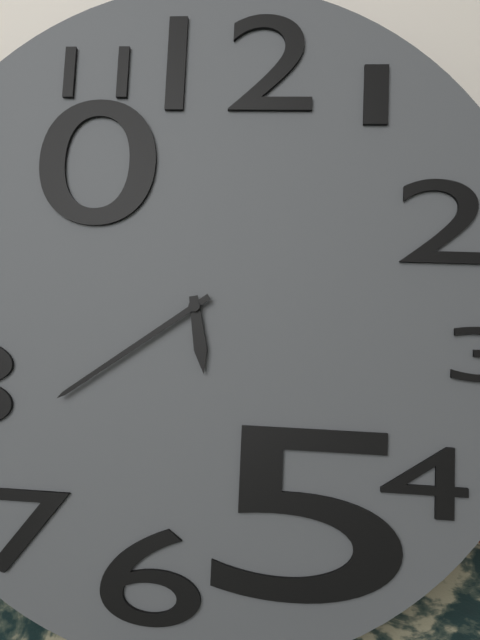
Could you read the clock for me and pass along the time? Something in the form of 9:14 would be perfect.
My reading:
5:39
